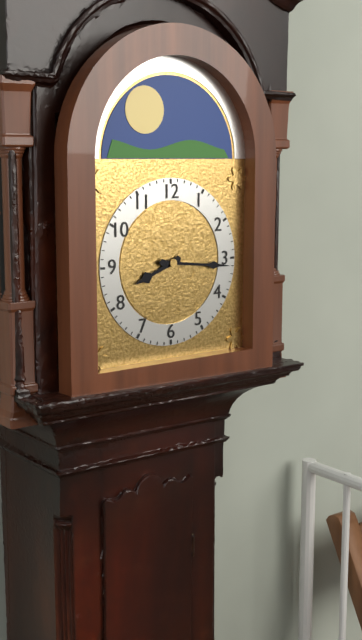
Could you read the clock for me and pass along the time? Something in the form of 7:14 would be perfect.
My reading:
8:16
